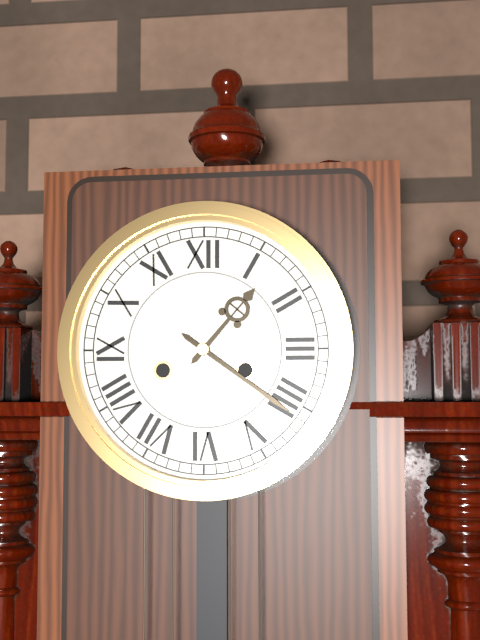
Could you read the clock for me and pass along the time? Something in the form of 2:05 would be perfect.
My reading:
1:21
